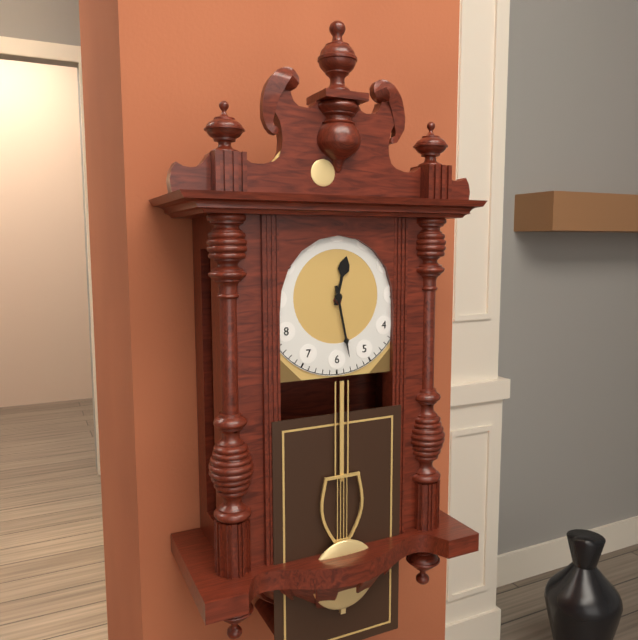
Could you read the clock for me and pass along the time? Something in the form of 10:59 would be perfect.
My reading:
12:28
